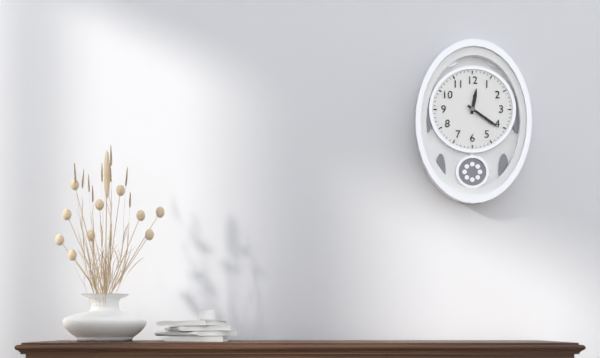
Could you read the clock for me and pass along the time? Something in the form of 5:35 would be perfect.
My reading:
12:21
